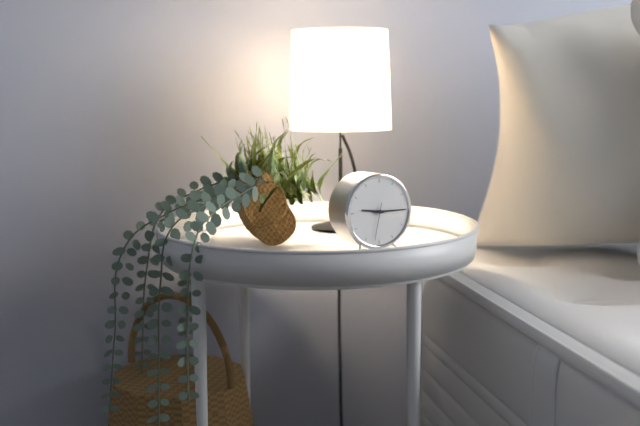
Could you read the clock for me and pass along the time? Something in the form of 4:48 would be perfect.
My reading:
9:15
